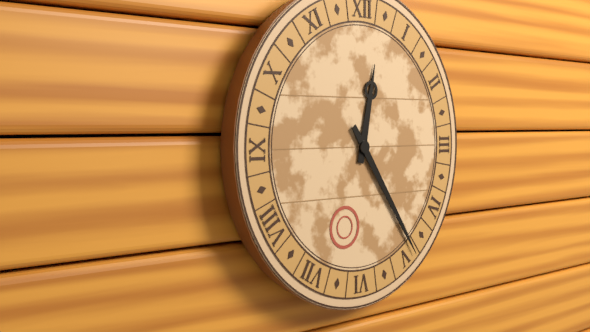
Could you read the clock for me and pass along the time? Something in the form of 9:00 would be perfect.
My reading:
12:24
